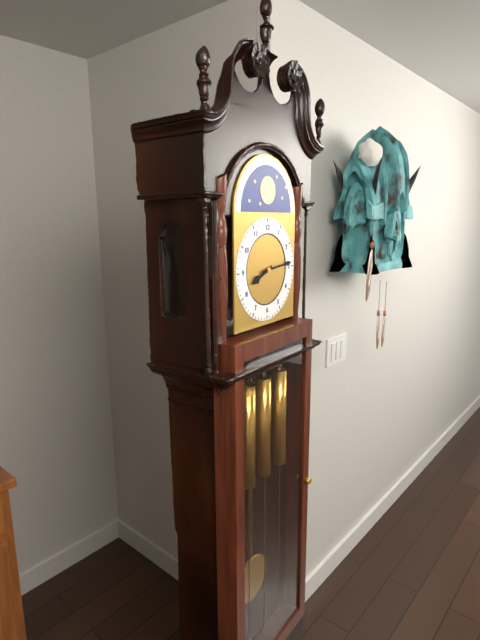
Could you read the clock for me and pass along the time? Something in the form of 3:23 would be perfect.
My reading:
8:14
